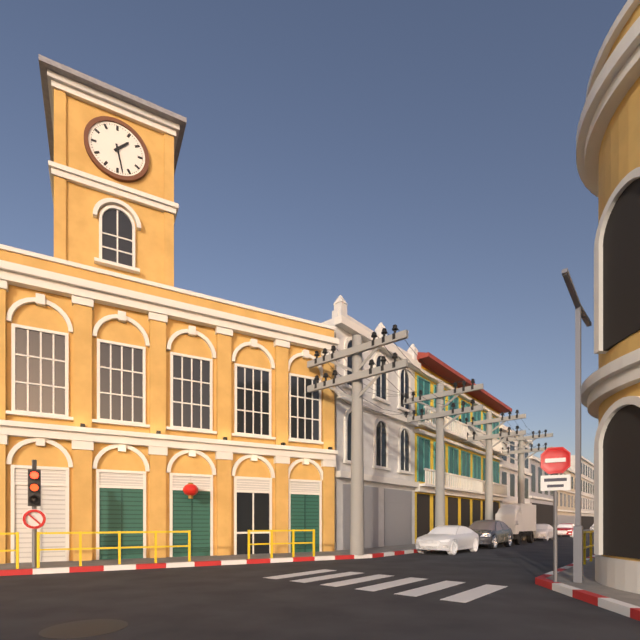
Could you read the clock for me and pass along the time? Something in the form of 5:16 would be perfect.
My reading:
1:28
